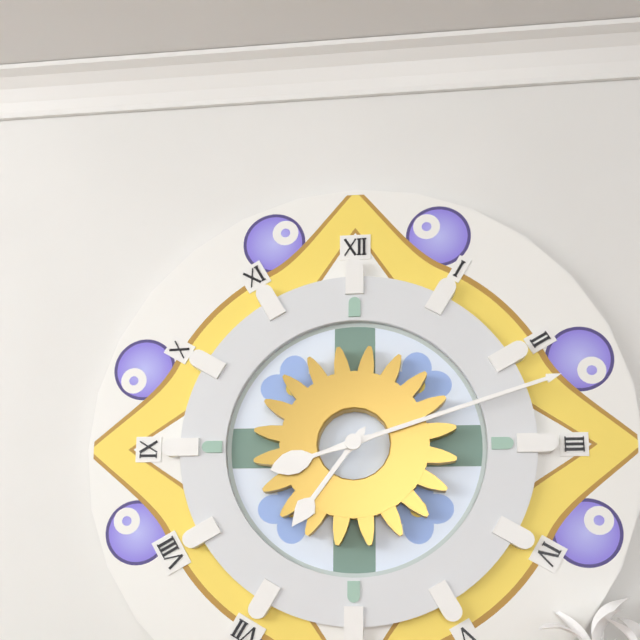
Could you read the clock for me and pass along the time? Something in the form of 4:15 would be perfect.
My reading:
7:12
